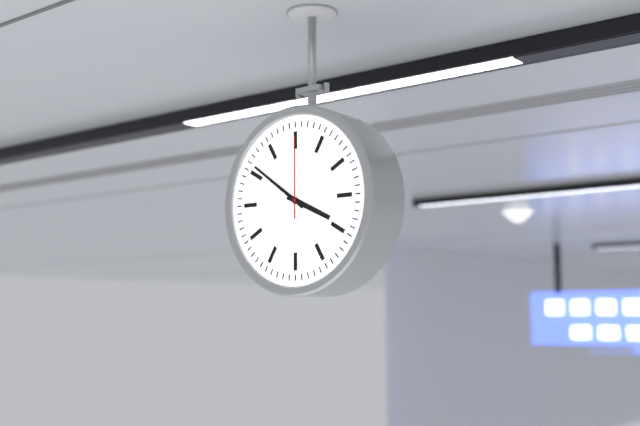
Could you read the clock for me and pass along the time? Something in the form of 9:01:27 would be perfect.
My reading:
3:51:00
